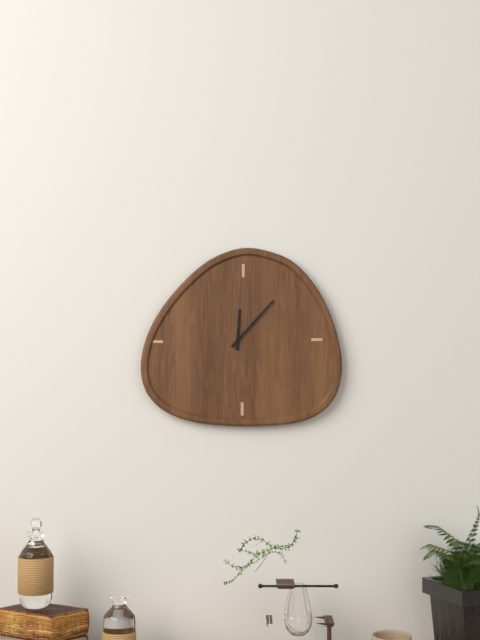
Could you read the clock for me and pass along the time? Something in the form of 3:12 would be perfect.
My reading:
12:07
